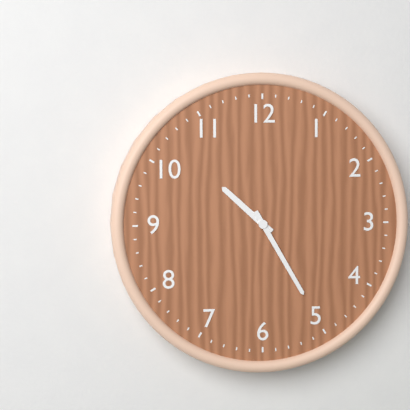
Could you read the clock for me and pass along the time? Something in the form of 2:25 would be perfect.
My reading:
10:25
